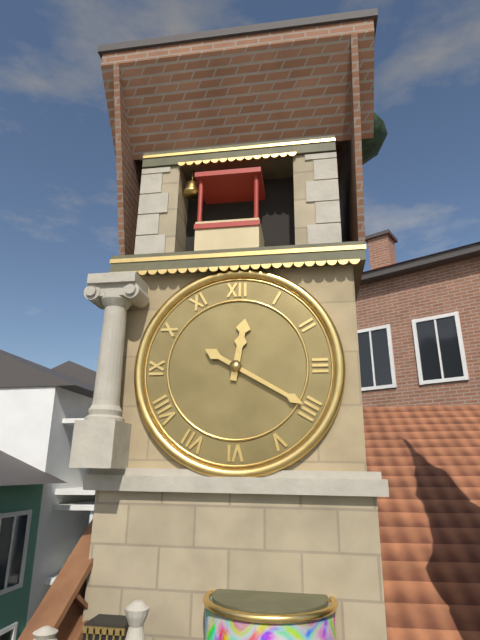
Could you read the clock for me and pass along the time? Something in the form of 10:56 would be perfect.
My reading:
12:20
